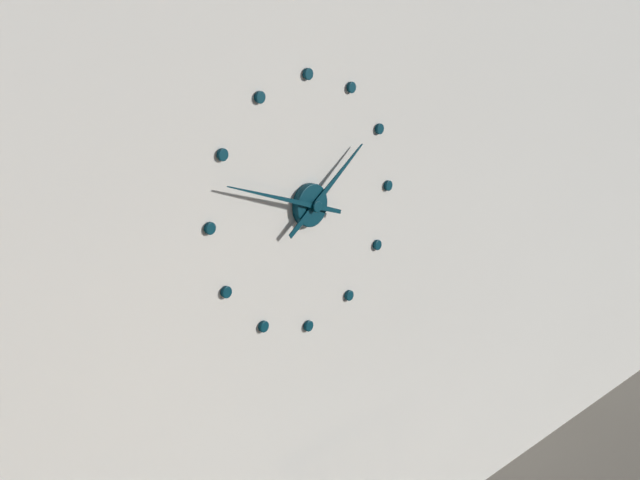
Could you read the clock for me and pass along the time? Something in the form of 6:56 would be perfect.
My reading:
1:48
